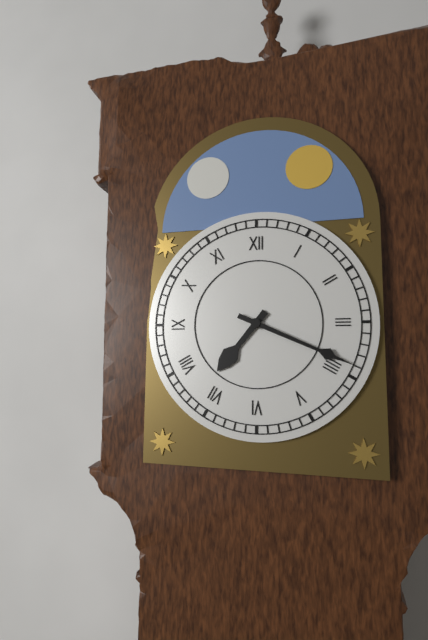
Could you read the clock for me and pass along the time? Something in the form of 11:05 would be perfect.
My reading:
7:19
